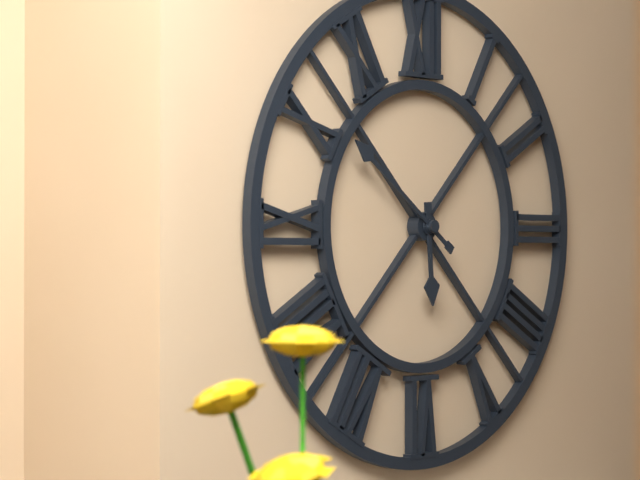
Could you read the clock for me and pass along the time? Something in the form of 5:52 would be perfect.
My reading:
5:51
